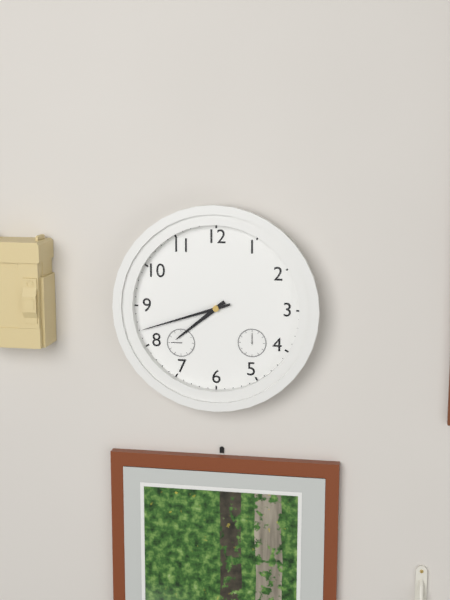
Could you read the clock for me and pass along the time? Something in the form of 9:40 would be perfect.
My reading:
7:42
